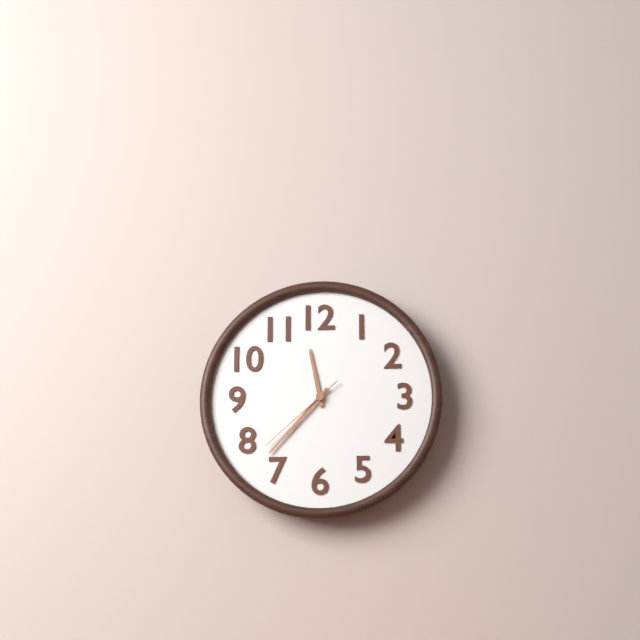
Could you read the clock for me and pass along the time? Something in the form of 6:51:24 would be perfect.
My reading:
11:37:38
